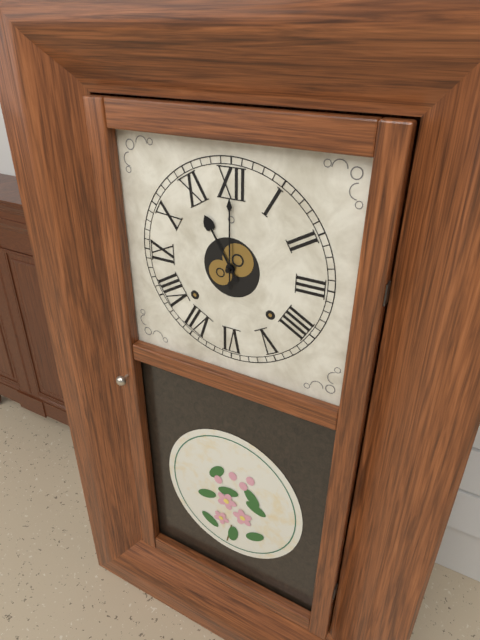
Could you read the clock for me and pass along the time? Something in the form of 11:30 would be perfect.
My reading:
11:00
